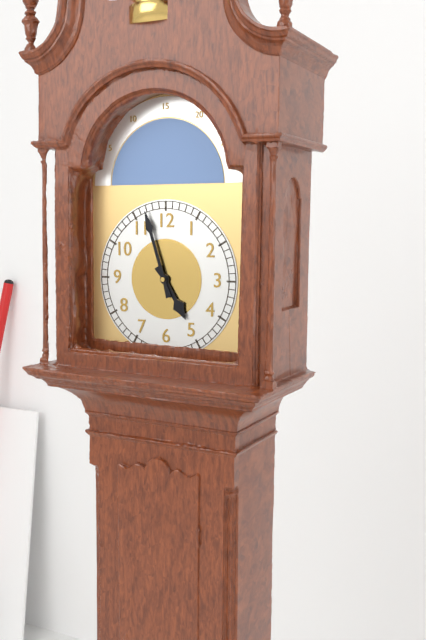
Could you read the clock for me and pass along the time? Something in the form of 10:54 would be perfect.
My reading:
4:57
